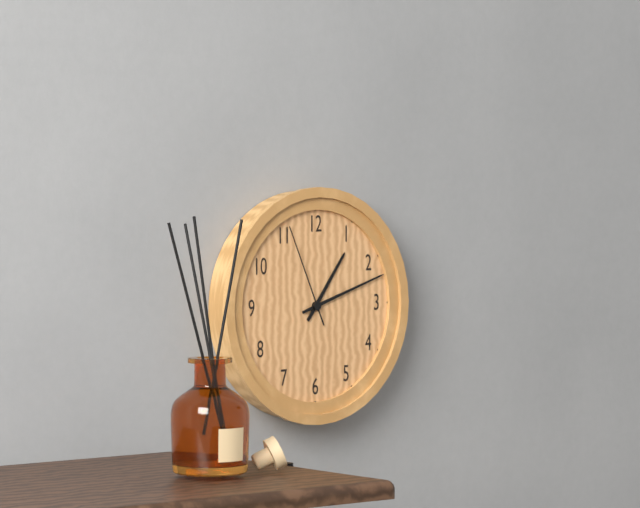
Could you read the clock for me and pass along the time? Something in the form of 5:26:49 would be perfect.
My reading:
1:12:56
